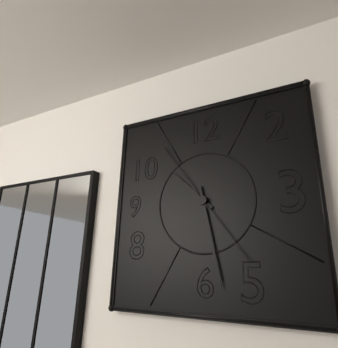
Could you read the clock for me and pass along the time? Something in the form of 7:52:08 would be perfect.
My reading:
10:28:54
